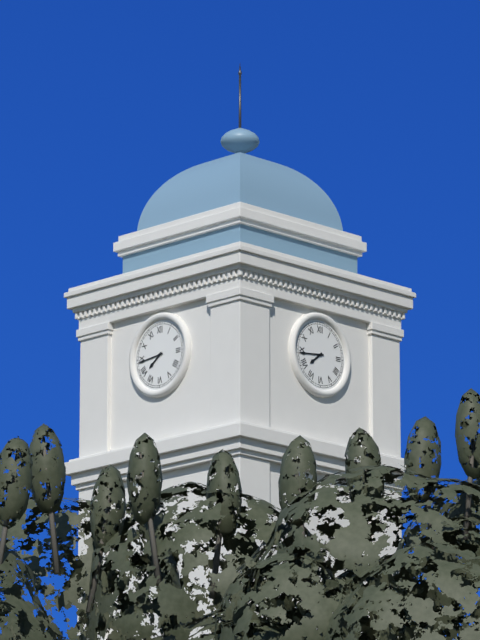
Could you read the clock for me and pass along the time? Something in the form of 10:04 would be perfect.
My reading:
7:44
